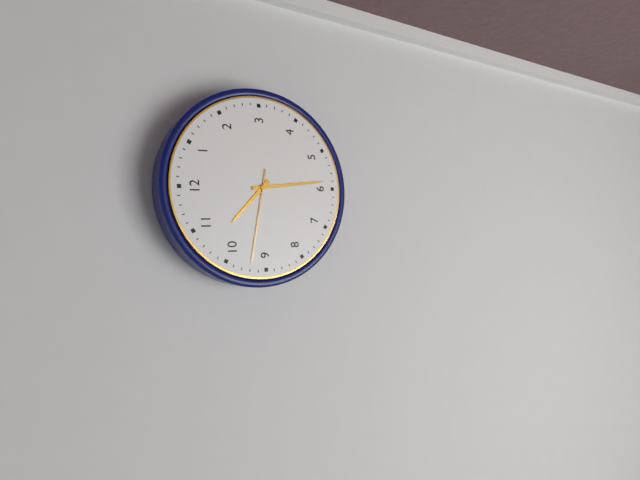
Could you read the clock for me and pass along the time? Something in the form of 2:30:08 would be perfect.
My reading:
10:29:47
